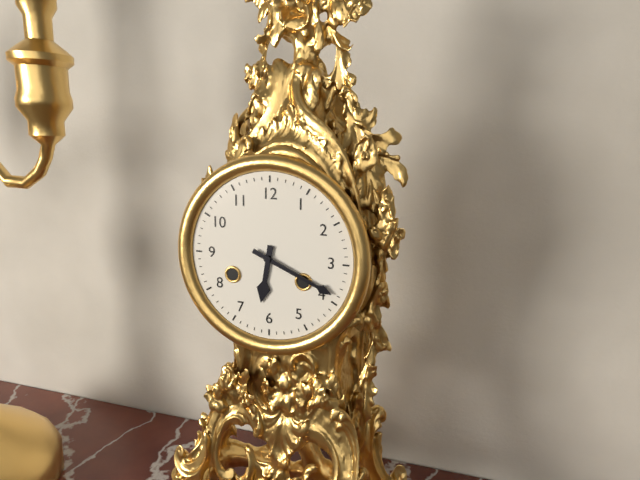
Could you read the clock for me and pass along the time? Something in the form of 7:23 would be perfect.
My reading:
6:19
